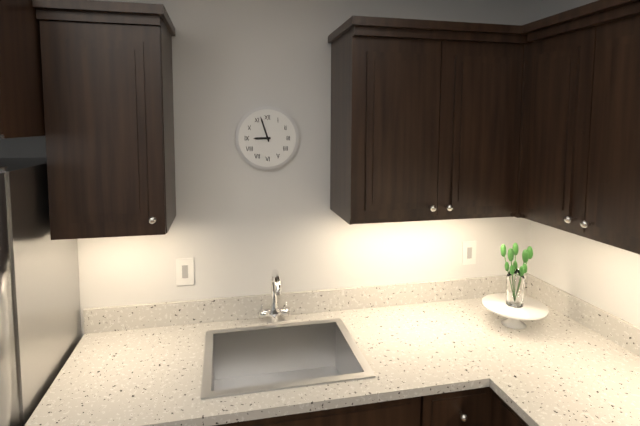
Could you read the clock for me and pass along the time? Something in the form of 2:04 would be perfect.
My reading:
8:57
